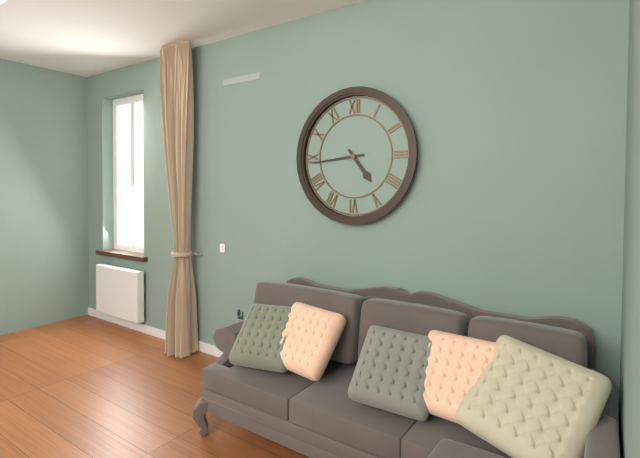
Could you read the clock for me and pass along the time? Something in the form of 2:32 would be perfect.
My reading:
4:44
